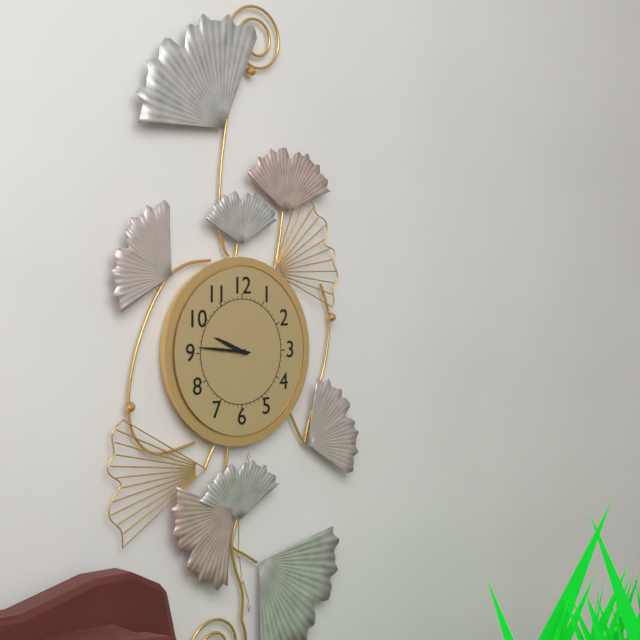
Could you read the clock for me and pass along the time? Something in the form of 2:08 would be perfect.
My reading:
9:46
